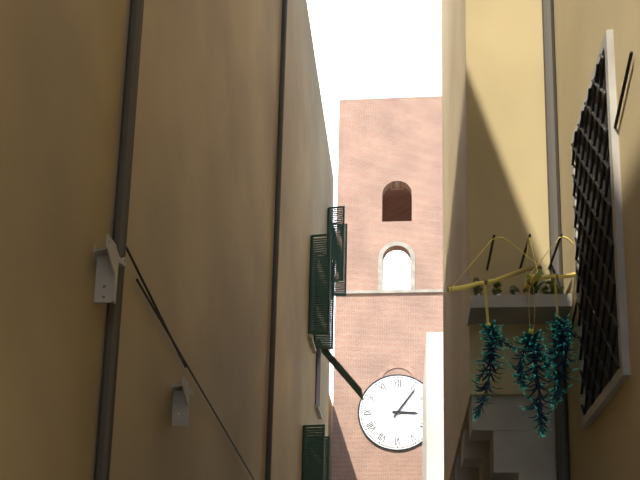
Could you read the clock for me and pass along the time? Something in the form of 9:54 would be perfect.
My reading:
3:06
